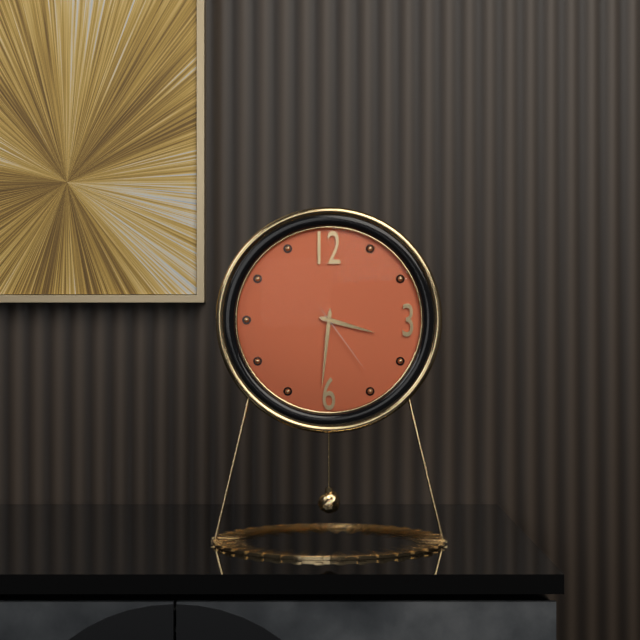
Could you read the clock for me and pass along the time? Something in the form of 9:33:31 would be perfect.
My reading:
3:31:24
